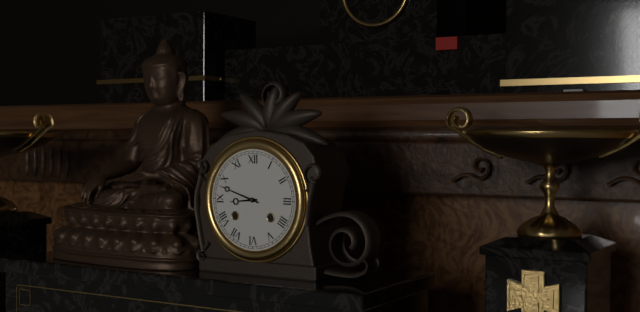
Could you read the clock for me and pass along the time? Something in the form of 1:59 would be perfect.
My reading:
8:48
